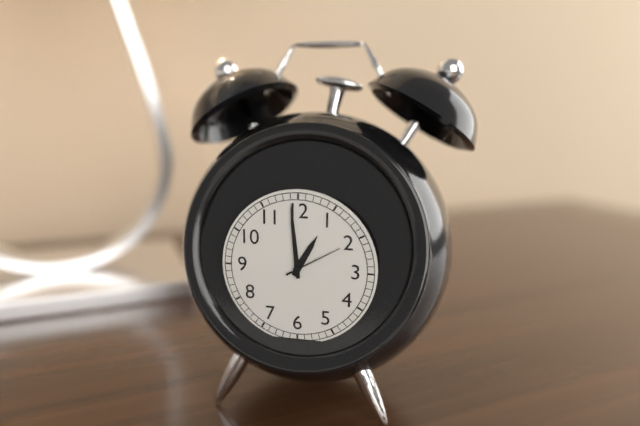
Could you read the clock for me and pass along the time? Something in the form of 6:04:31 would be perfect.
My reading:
12:59:10
